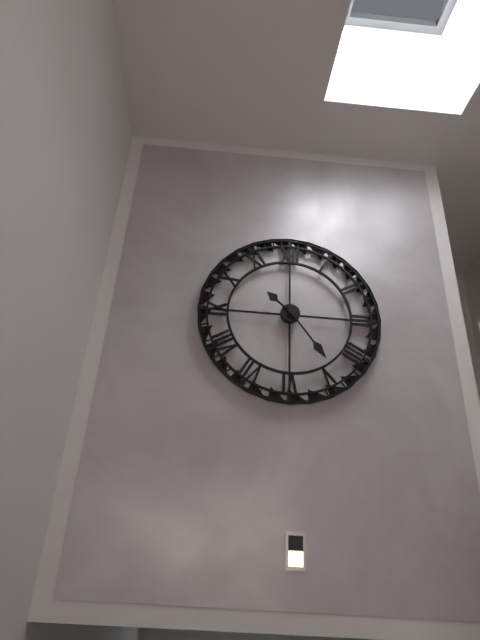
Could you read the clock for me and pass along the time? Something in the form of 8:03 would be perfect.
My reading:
10:24
